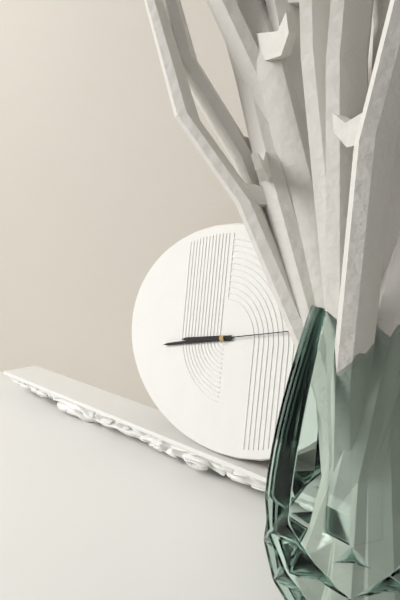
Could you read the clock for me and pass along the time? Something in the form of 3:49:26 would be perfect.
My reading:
8:43:13
